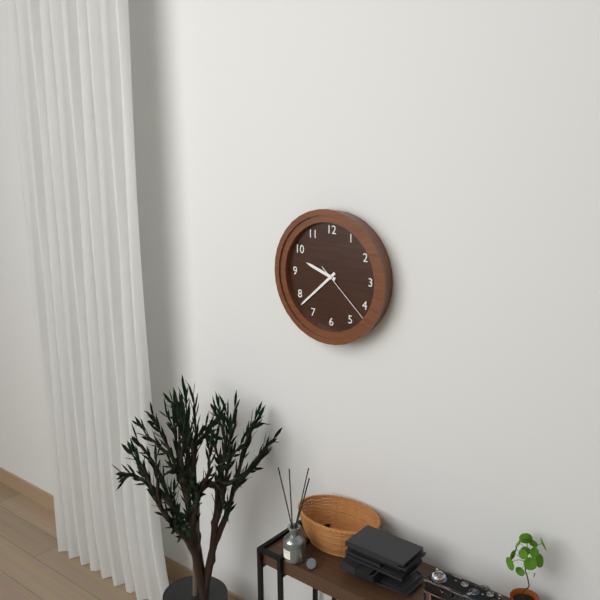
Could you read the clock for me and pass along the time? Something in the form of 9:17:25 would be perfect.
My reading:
9:38:22
